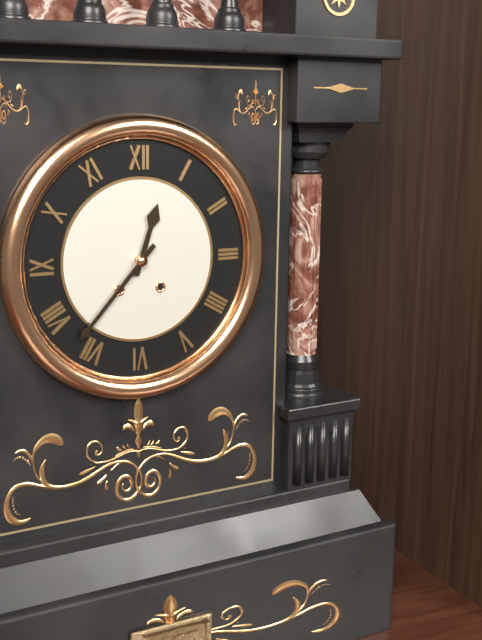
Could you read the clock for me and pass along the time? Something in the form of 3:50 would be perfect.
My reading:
12:37
